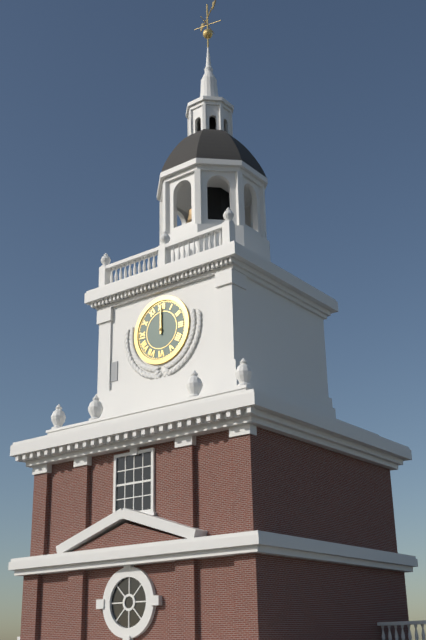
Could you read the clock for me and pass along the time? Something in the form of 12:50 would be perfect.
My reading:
12:00
